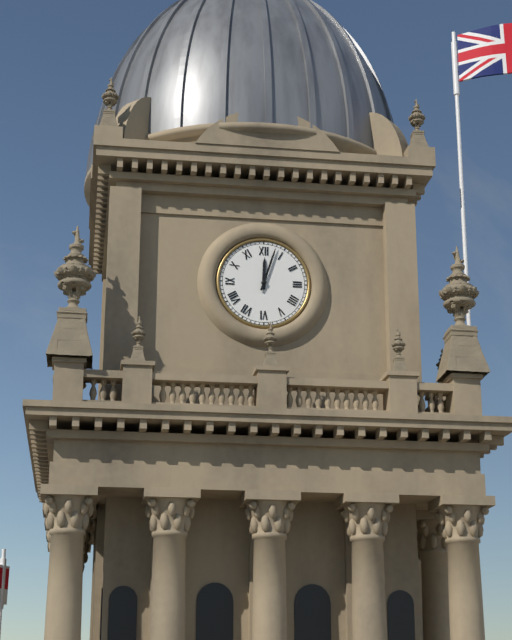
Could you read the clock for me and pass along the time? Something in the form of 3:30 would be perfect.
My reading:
12:03
